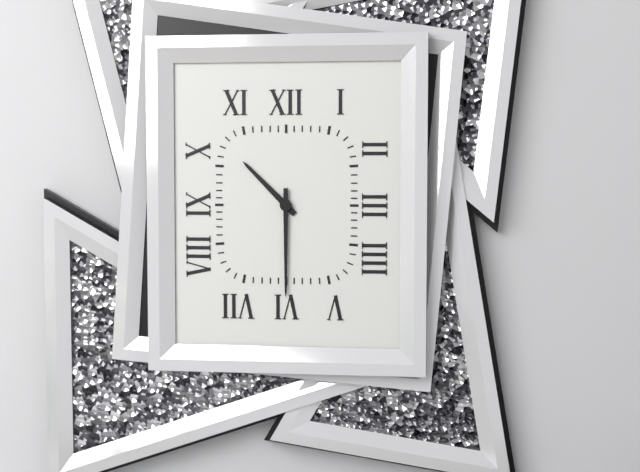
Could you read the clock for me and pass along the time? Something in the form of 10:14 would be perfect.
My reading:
10:30
